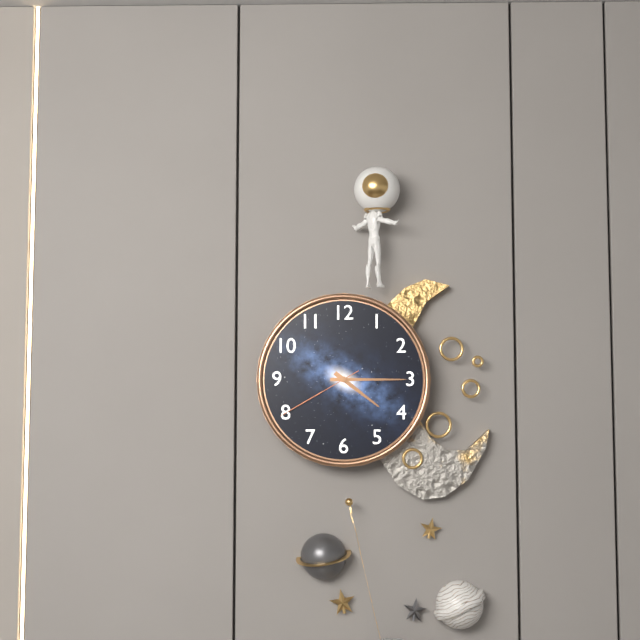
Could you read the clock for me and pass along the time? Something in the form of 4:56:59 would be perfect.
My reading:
4:15:40
